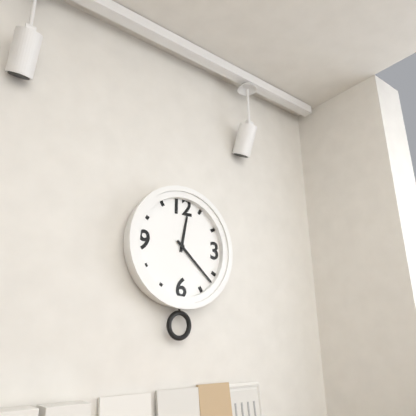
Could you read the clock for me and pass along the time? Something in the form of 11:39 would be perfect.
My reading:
12:22
